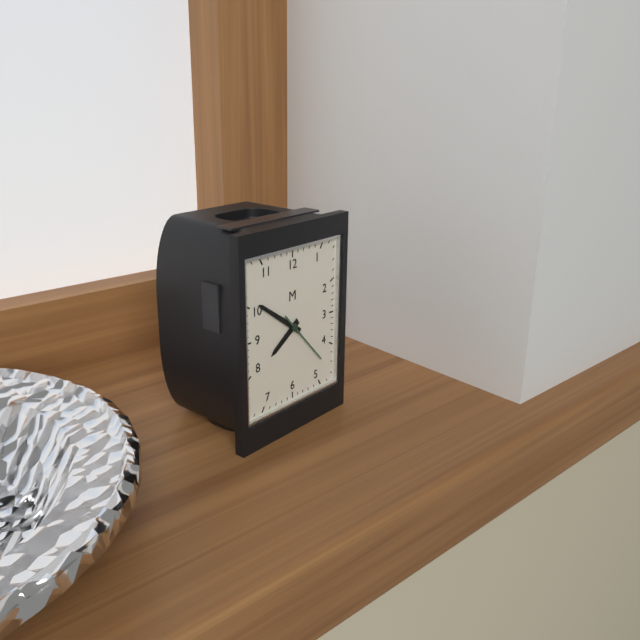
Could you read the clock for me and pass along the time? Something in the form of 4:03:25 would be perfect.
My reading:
7:51:23
